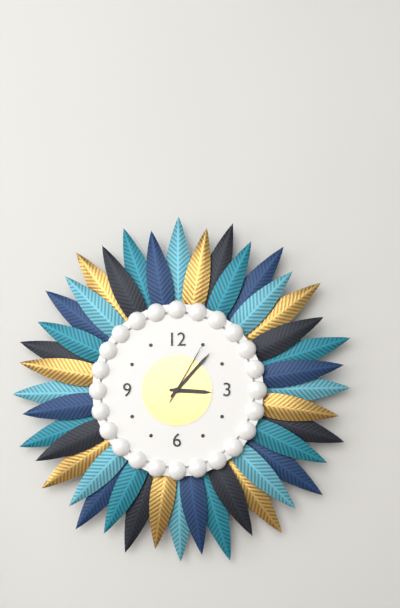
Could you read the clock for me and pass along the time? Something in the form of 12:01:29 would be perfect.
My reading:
3:07:05
